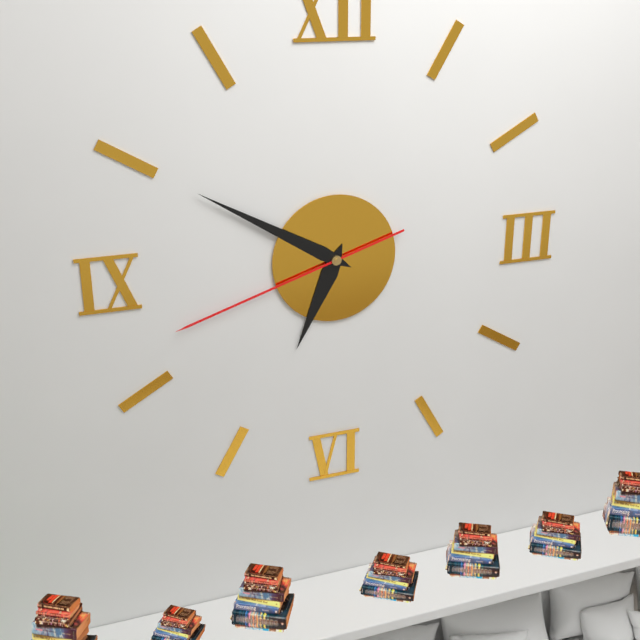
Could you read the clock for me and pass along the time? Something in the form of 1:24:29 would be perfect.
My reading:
6:50:42
